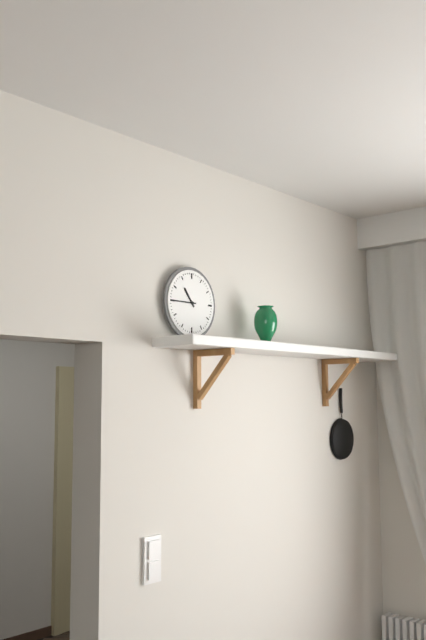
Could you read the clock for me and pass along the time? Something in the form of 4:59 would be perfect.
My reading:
10:45
